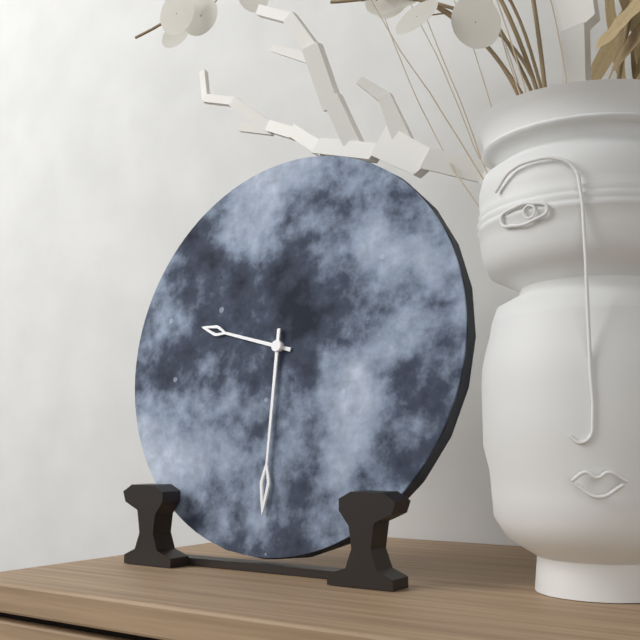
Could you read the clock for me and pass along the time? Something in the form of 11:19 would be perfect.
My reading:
9:30
